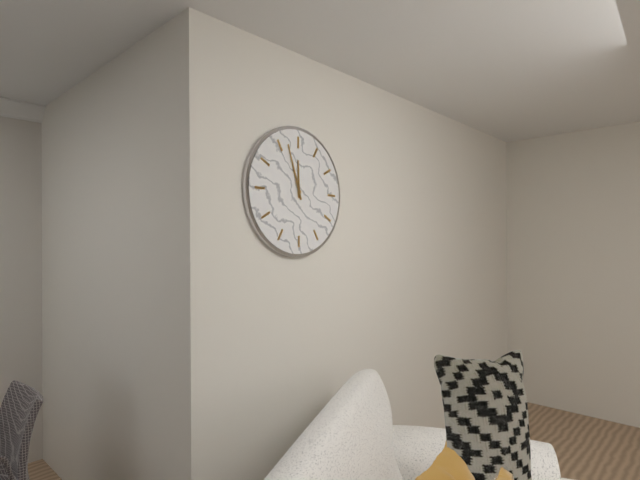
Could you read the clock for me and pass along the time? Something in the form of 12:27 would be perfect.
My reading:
11:57
